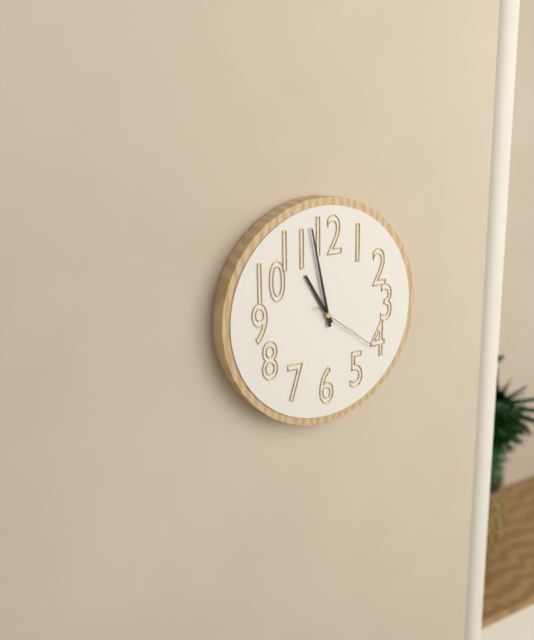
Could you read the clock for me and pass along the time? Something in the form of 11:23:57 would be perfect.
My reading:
10:58:21
